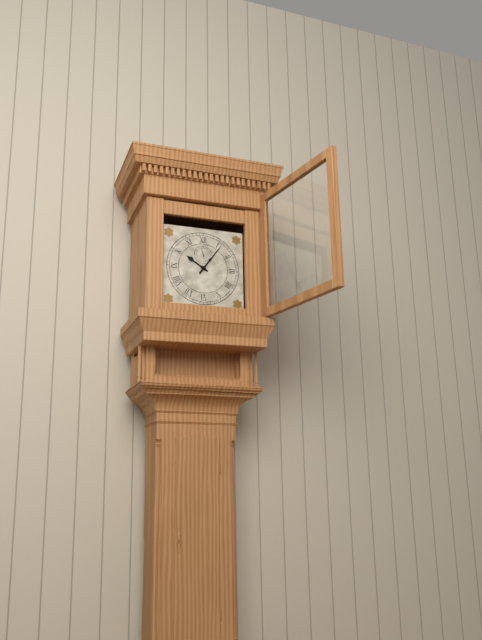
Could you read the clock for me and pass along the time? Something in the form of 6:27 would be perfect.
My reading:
10:06
